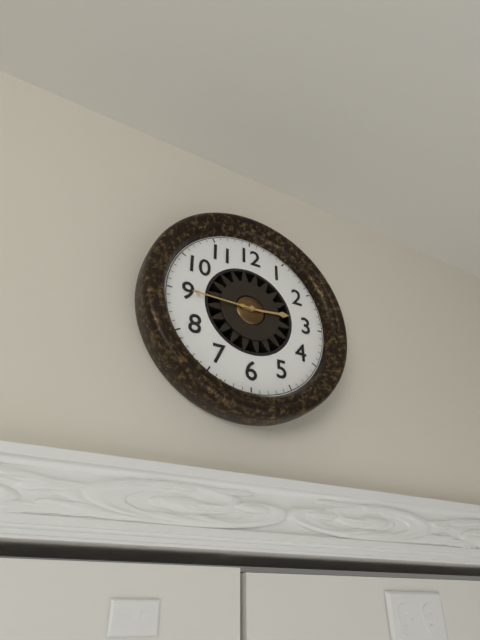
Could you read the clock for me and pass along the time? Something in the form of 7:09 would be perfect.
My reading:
2:45
